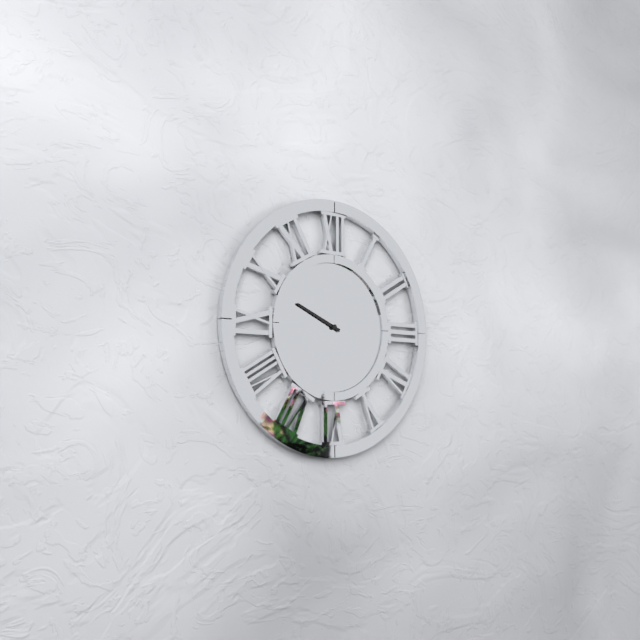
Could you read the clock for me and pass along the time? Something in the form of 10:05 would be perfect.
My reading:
9:49
